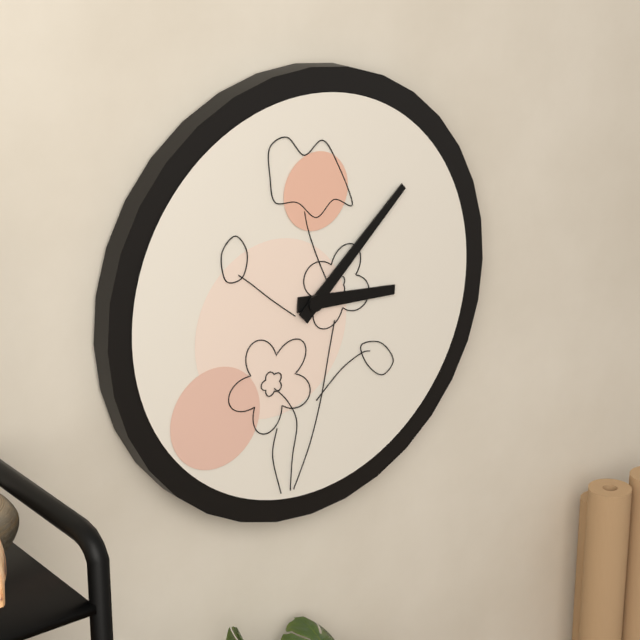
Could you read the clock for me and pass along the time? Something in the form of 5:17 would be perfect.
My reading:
3:08
